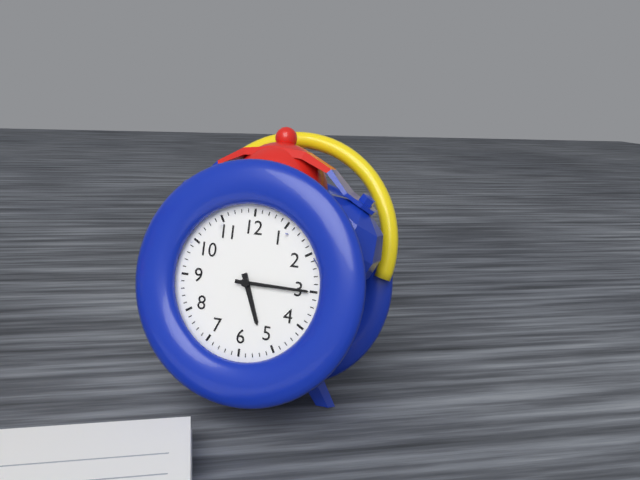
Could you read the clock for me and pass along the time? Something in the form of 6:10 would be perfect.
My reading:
5:15
